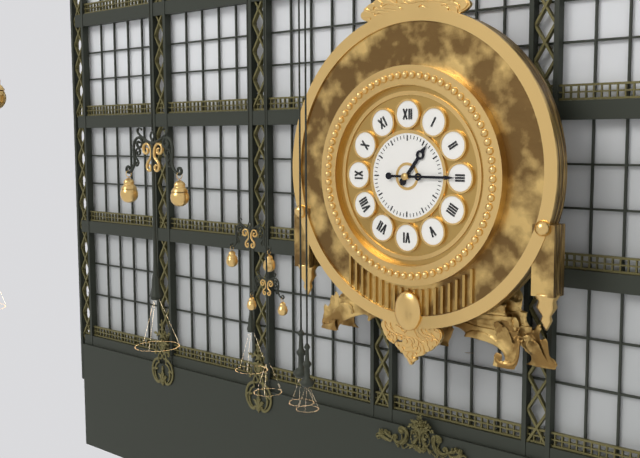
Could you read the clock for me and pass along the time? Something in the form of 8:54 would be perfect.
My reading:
1:15
